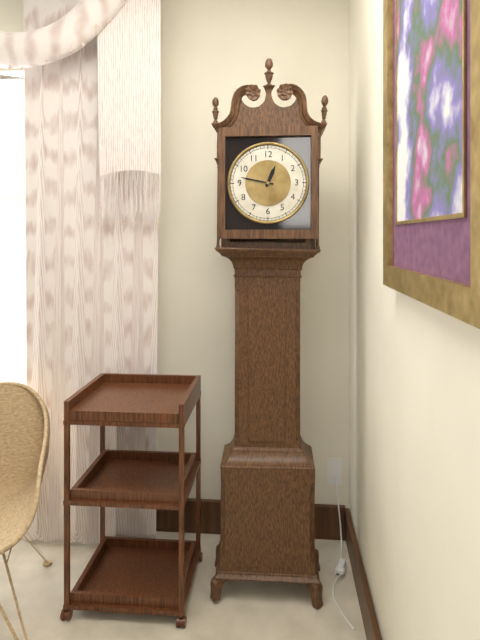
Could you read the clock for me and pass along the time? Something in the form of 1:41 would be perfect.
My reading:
12:47
